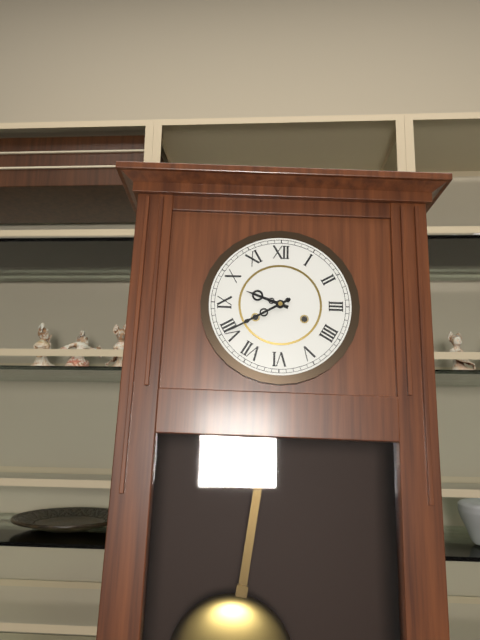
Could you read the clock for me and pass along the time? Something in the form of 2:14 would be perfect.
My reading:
9:40
